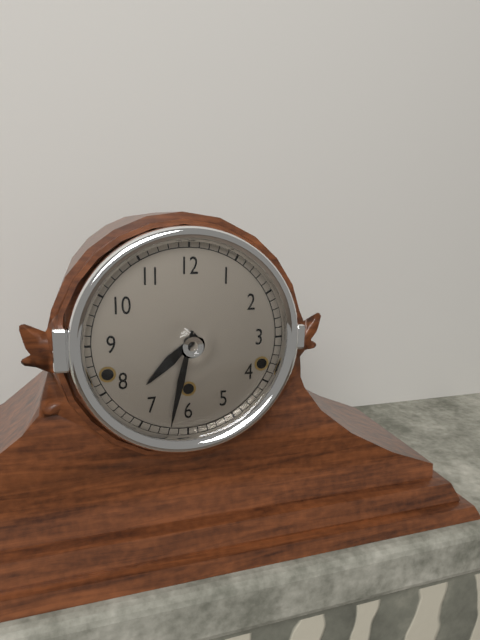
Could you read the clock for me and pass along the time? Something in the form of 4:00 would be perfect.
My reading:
7:32
